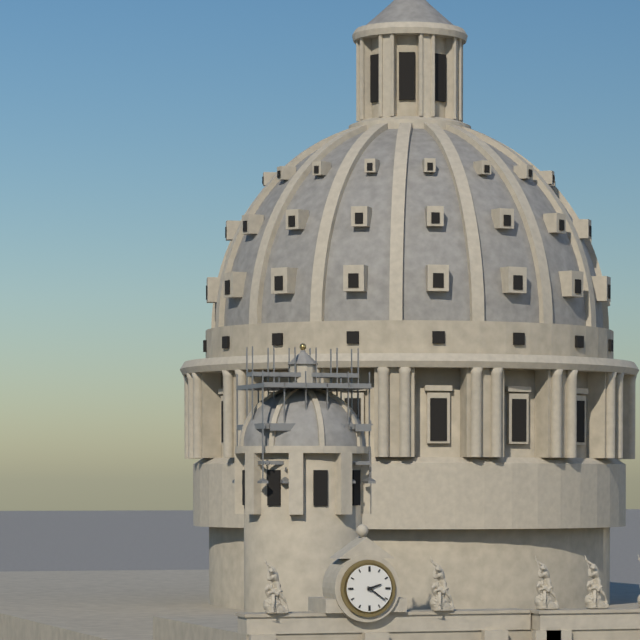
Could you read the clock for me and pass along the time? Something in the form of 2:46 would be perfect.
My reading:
2:21
